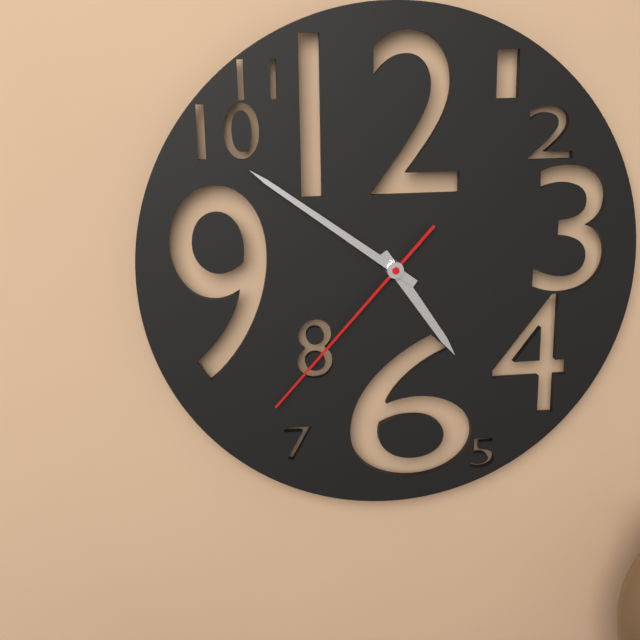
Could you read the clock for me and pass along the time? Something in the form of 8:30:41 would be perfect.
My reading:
4:51:37
